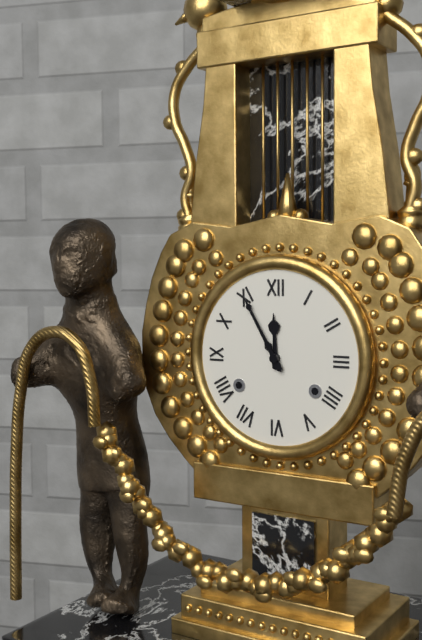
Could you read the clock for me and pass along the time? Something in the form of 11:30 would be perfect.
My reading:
11:55
